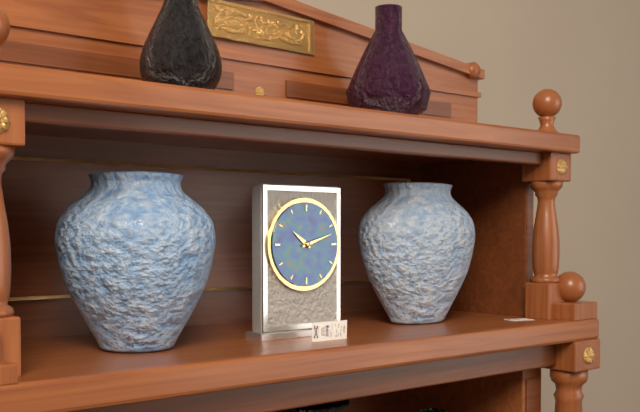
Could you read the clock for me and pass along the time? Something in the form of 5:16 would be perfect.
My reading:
10:12
